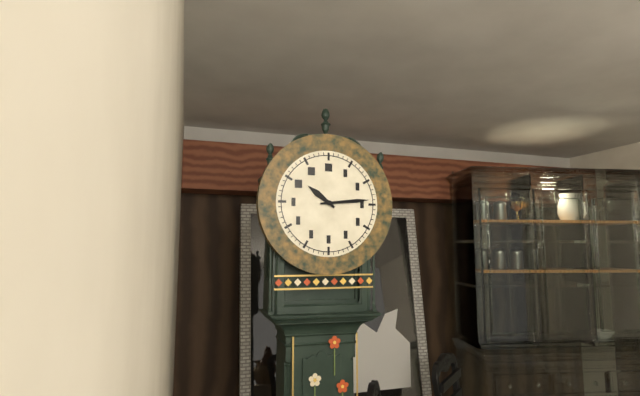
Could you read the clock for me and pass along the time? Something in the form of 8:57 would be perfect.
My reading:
10:14
